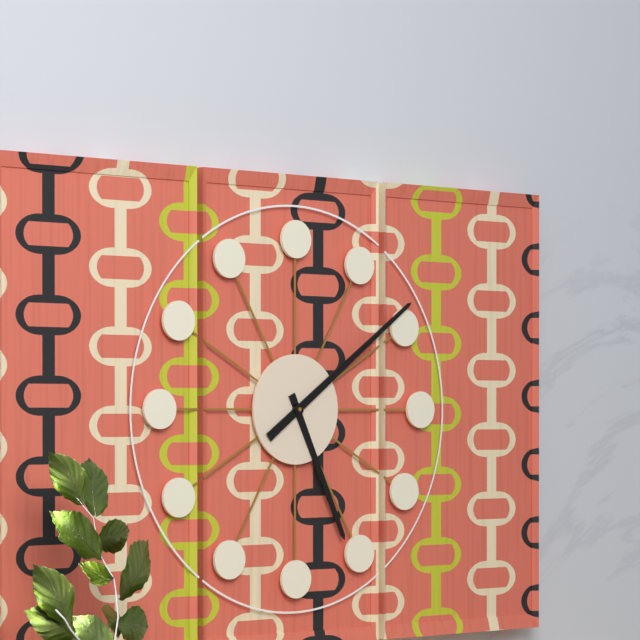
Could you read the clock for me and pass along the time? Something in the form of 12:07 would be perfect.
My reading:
5:09
